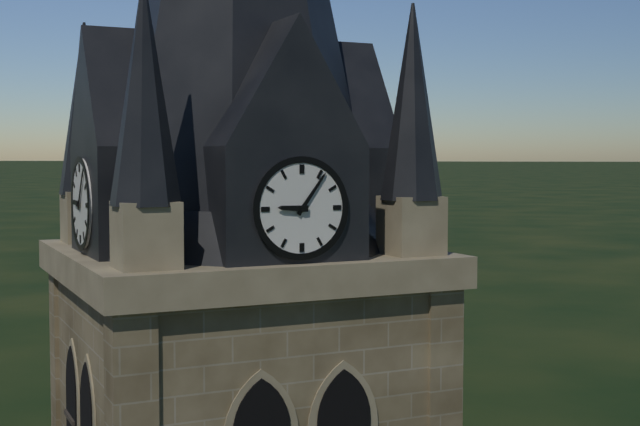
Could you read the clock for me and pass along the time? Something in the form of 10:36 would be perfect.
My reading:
9:06
